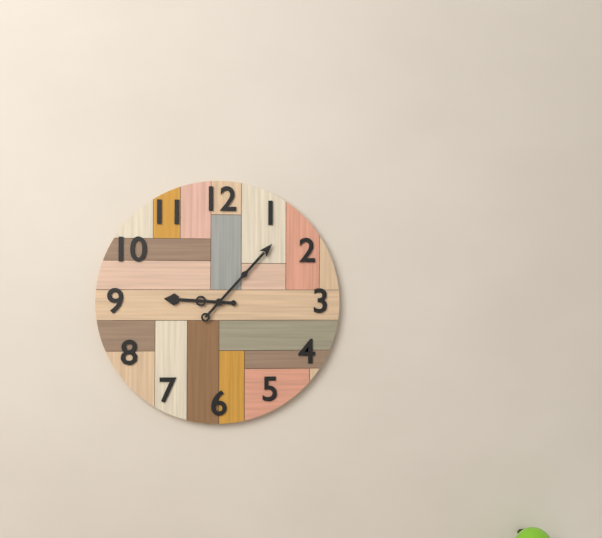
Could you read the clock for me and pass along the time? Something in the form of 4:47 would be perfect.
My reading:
9:07
